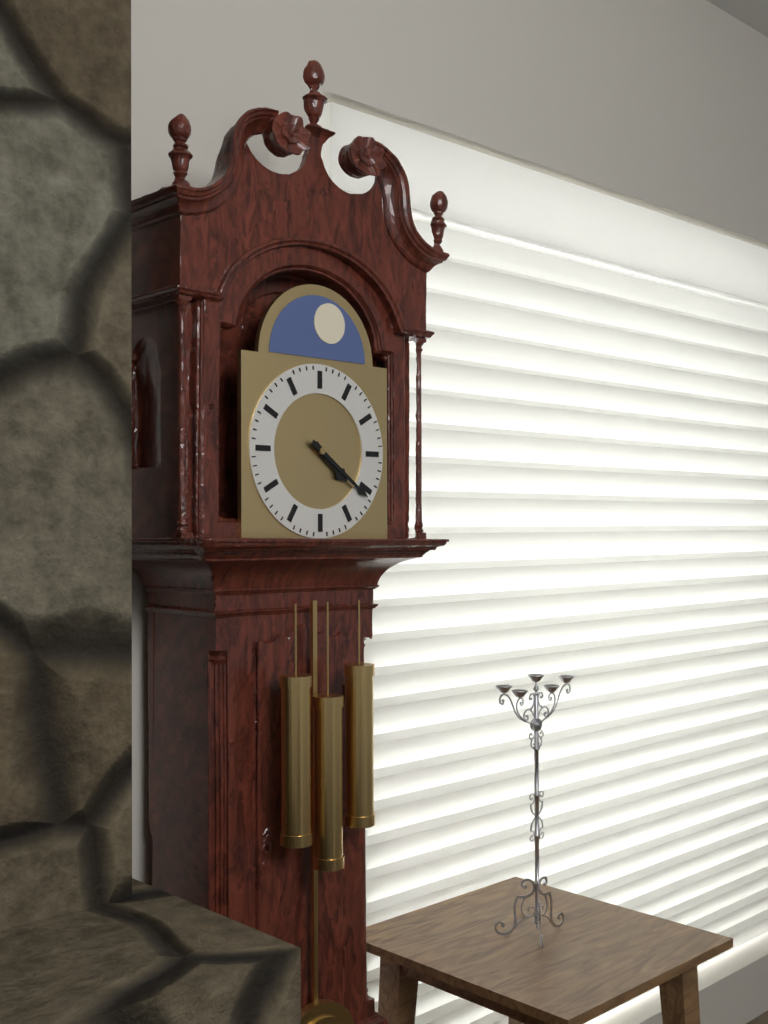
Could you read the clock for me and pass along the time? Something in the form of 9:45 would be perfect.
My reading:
4:21
